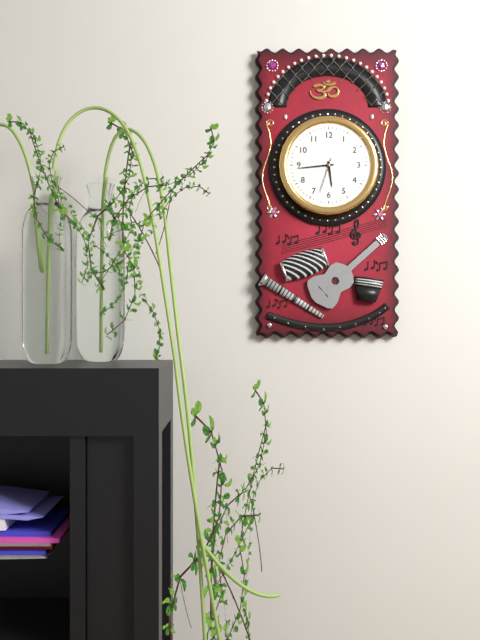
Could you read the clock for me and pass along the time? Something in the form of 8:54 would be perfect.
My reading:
5:44
